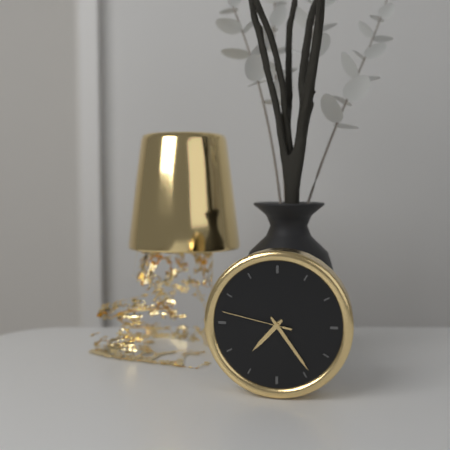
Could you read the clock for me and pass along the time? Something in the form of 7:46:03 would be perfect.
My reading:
7:24:47
